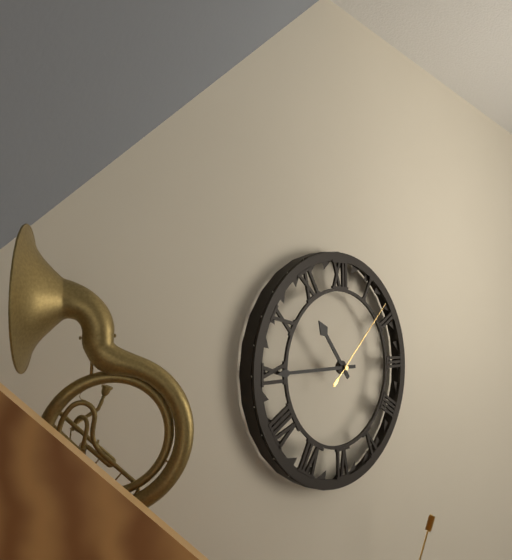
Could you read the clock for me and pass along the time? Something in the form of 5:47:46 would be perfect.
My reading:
10:45:08
